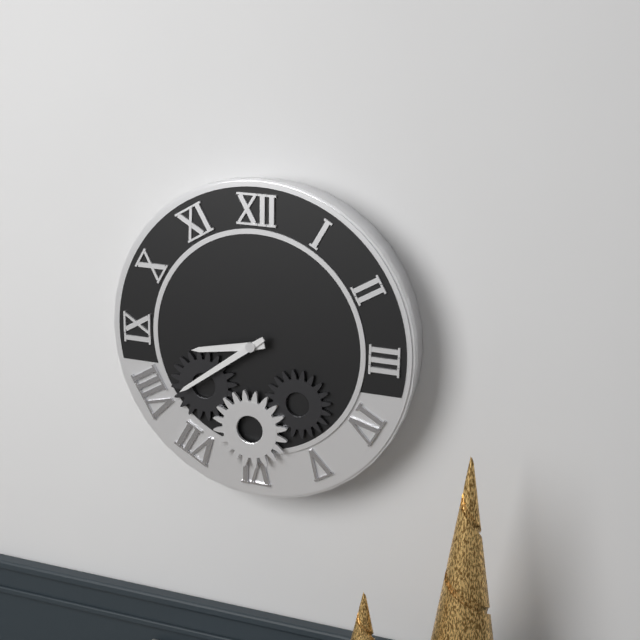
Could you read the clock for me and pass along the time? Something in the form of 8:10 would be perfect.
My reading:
8:39
